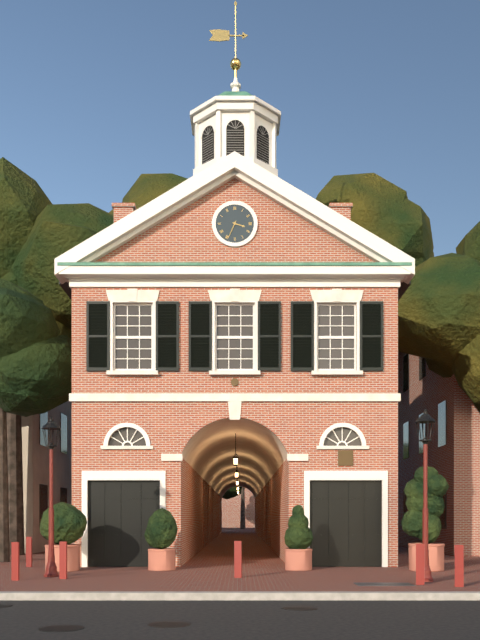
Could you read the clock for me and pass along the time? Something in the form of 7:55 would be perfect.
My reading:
3:34
